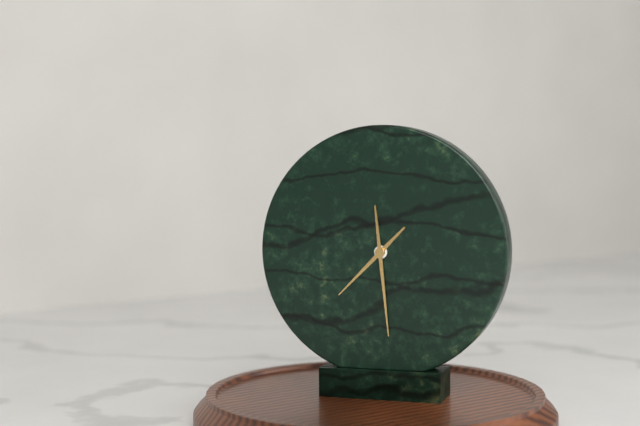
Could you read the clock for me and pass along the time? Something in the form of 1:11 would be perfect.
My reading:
7:29
